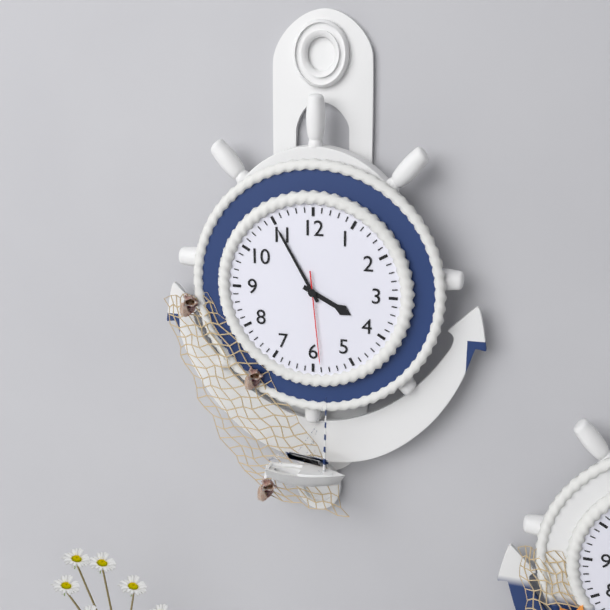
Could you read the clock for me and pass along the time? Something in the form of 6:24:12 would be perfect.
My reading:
3:55:29
